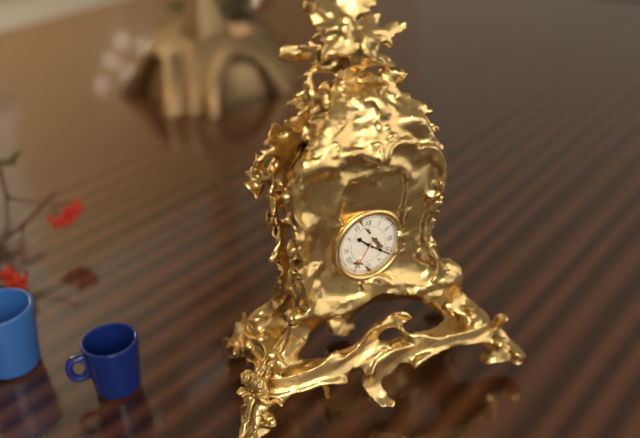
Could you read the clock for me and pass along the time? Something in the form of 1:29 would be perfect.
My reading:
10:21
